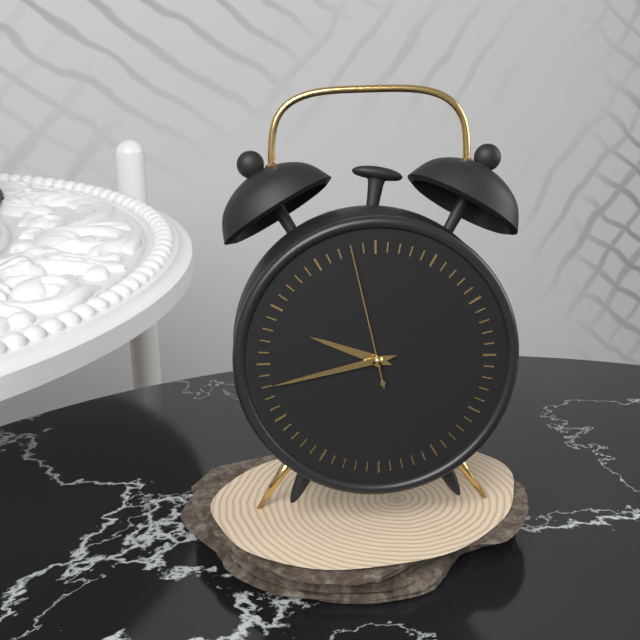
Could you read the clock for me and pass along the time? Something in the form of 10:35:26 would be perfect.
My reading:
9:43:58
